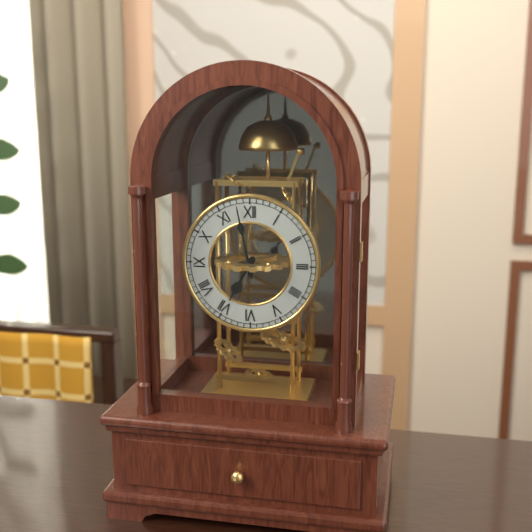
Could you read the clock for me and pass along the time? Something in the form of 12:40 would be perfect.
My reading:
6:58
